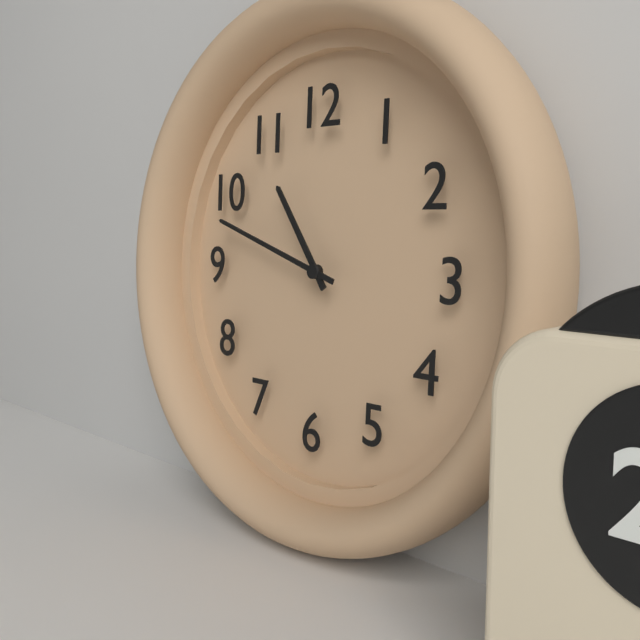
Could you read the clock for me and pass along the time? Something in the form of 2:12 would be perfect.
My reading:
10:48
